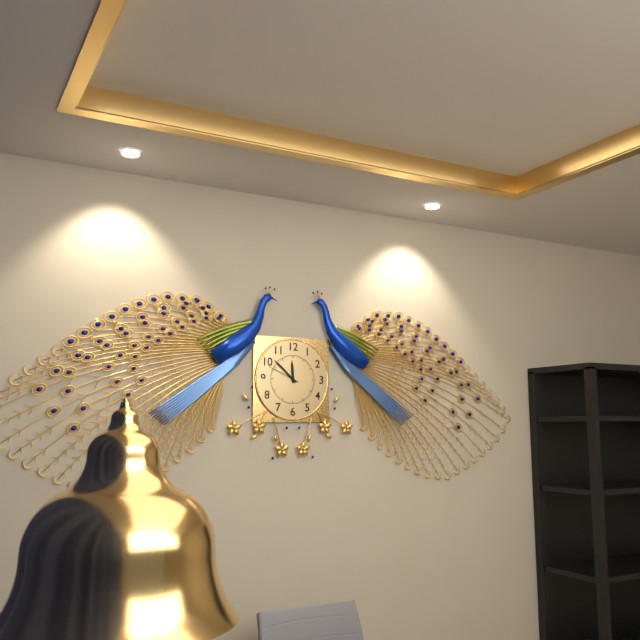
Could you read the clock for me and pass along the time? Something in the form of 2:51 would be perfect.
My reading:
11:52
